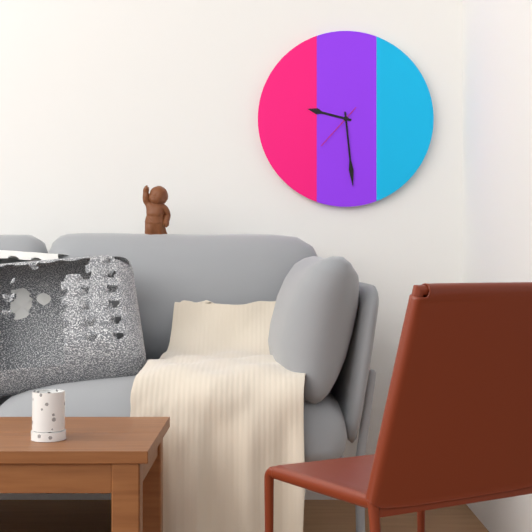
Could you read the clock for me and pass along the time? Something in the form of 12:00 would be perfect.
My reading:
9:29
